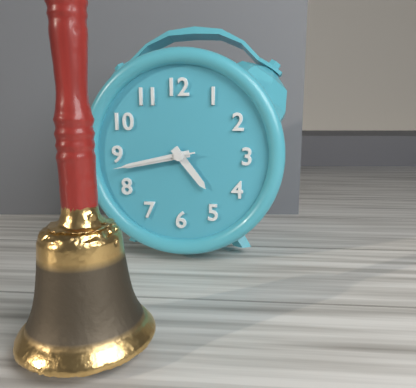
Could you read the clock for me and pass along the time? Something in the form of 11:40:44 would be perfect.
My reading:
4:43:43
